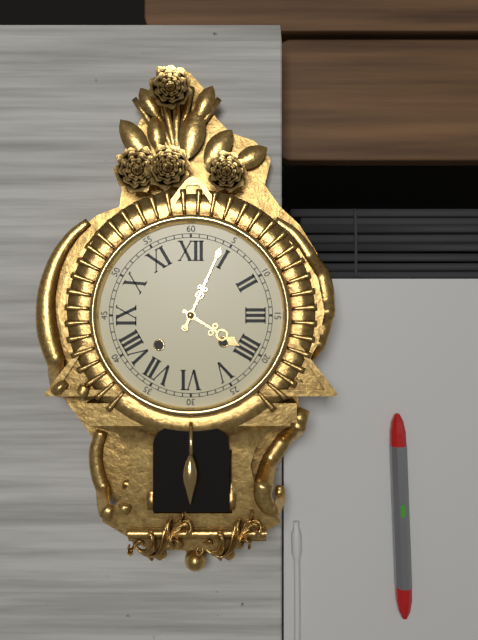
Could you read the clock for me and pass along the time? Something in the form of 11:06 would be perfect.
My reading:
4:04
